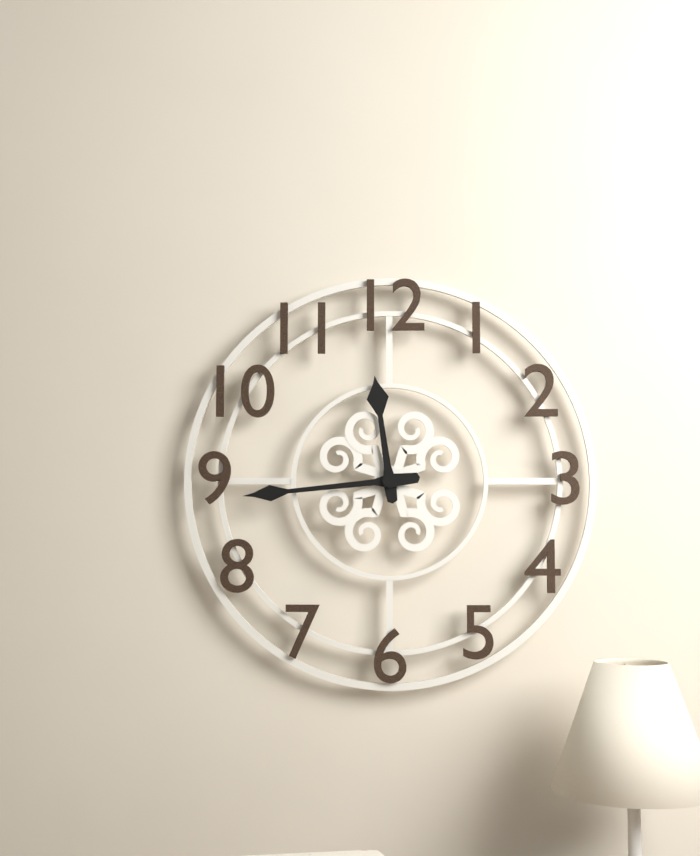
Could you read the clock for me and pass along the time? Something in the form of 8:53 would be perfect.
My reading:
11:44
